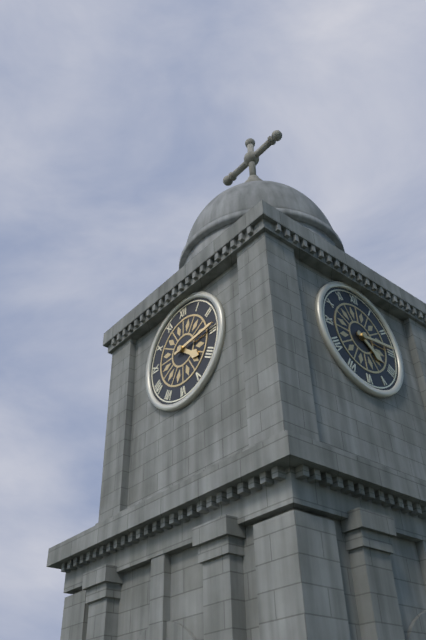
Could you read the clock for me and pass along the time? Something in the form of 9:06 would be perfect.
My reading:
4:14
